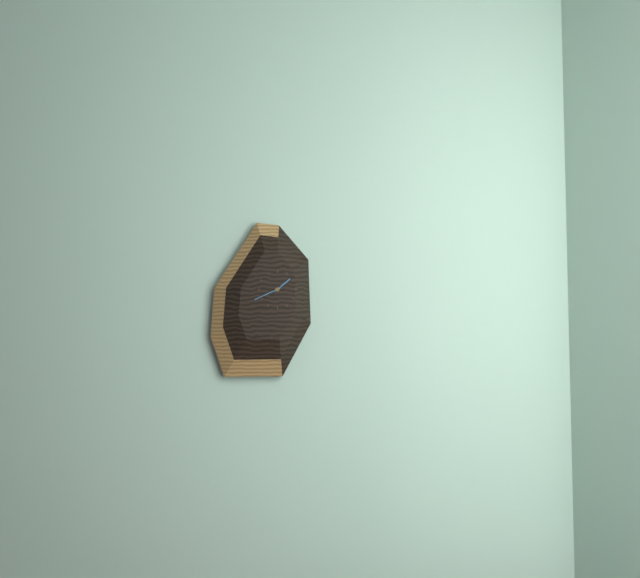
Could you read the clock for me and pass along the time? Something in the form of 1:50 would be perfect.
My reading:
1:41
